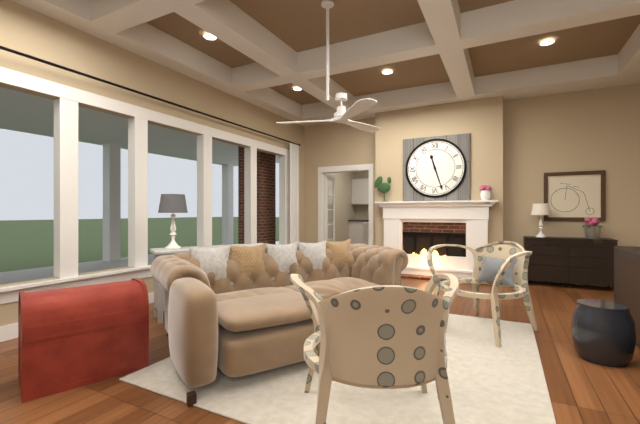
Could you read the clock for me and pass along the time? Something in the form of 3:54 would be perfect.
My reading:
11:27
